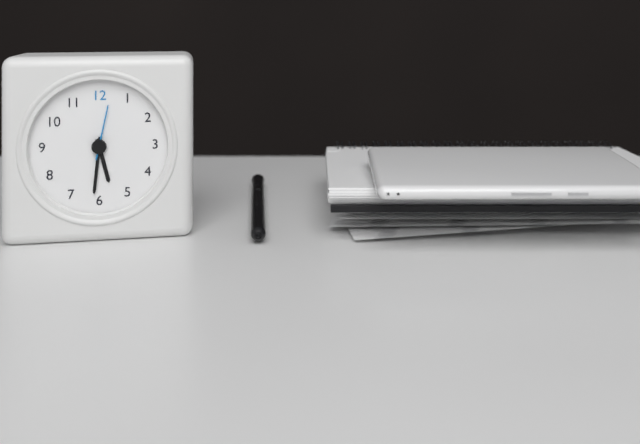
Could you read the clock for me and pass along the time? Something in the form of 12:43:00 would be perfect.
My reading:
5:31:02
